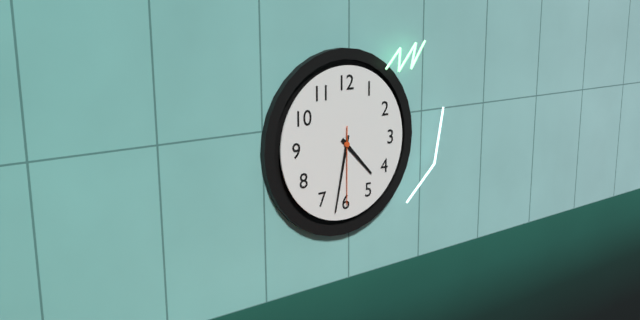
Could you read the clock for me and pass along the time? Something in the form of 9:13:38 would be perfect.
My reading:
4:32:30
